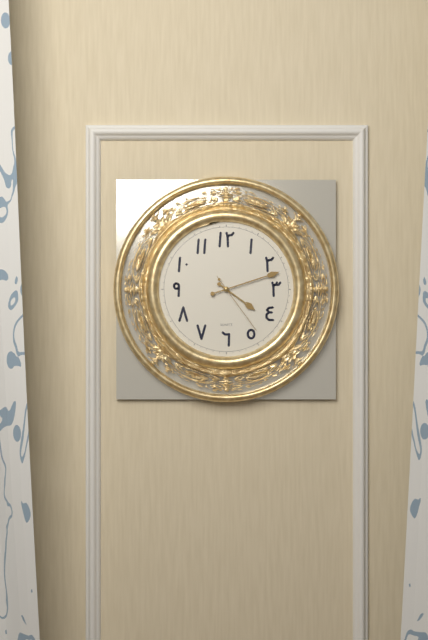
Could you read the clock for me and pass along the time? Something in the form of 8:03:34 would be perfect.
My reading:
4:12:24
